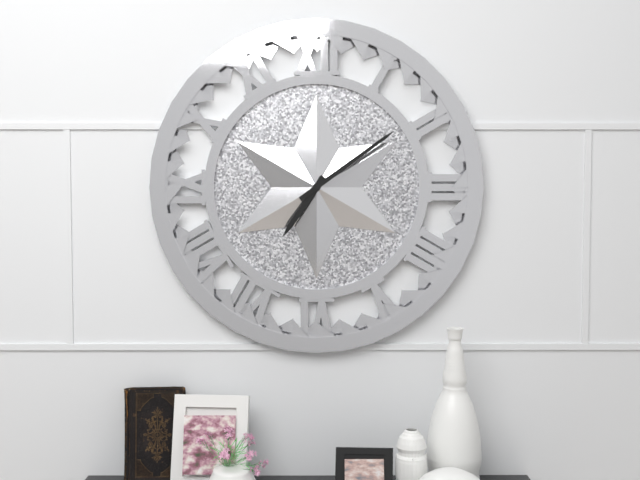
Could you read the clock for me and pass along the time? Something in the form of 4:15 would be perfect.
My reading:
7:09
